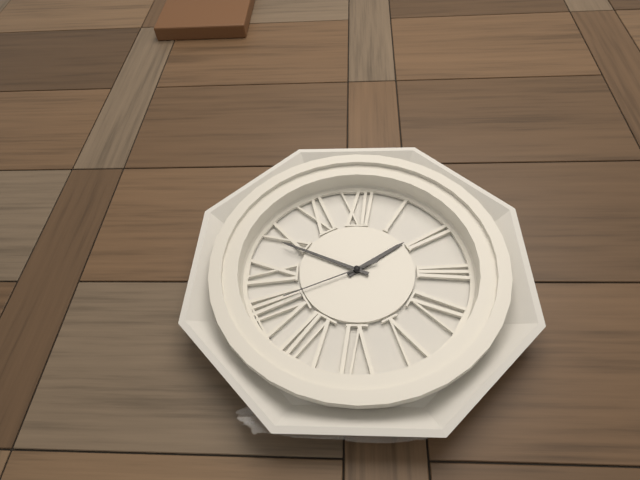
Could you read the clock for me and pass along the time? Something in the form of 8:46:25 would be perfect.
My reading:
1:49:41
